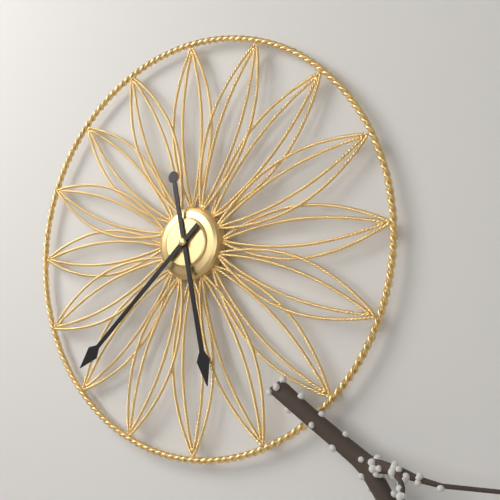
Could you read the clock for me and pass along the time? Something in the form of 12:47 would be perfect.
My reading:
5:38
